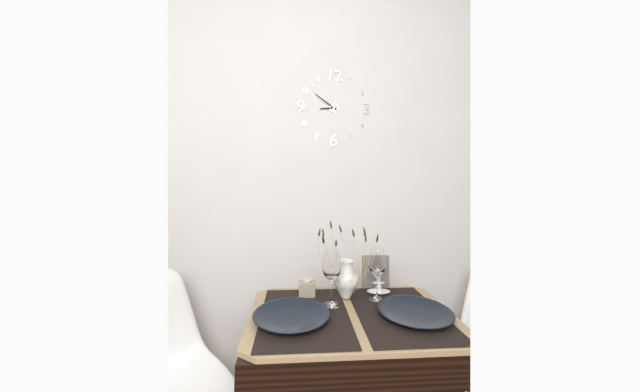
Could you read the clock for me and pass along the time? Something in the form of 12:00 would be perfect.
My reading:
8:51
